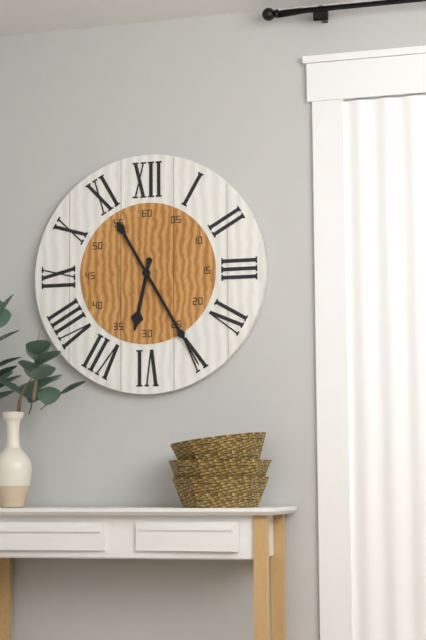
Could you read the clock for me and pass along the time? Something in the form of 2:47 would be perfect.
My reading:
6:25
